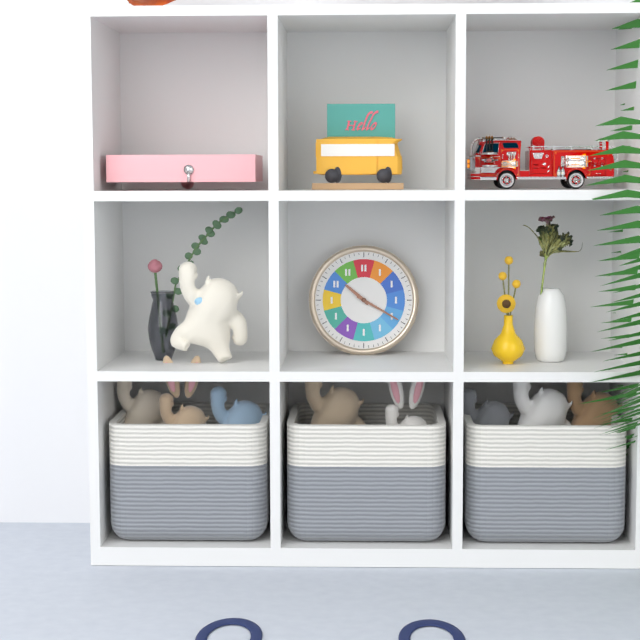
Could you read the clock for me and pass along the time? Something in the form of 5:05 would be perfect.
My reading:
10:20
